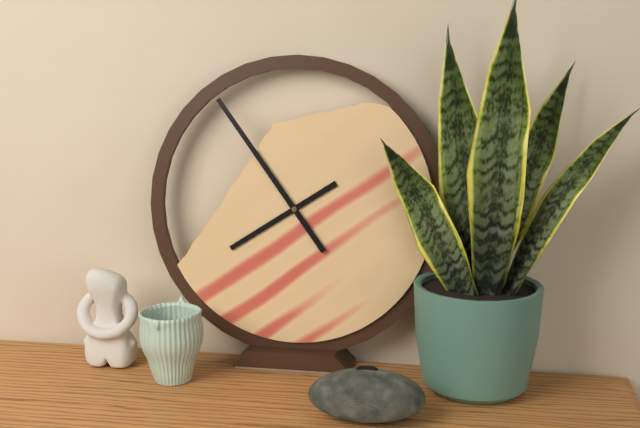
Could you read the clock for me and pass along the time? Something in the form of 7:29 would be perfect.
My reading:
7:54
